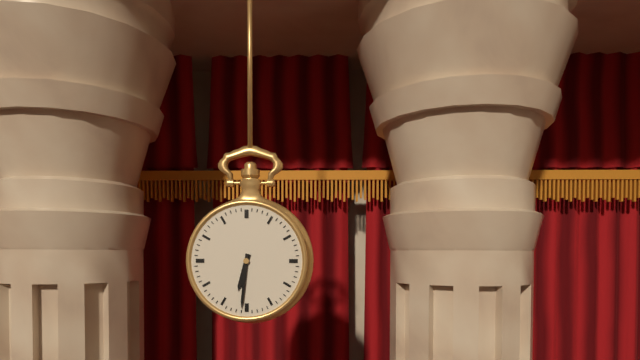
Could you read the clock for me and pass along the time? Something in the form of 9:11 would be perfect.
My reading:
6:31
